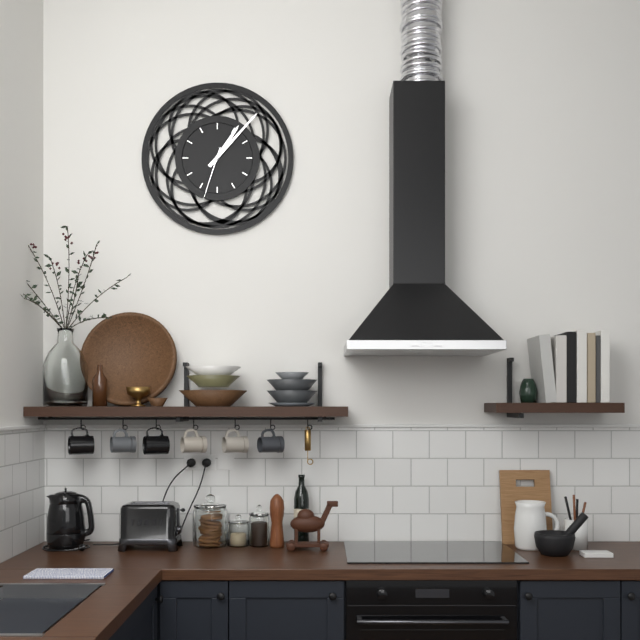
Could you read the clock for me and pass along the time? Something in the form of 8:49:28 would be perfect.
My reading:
1:07:33
